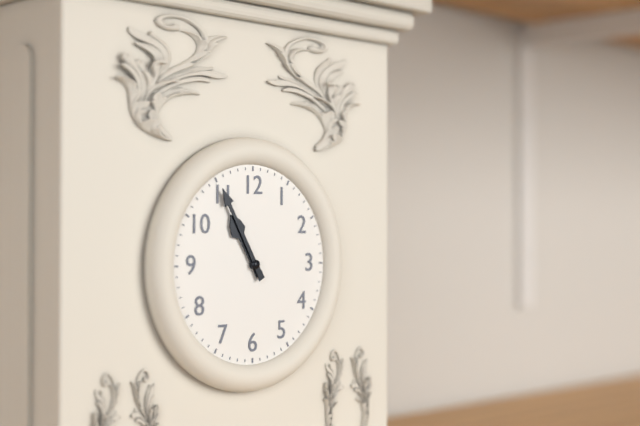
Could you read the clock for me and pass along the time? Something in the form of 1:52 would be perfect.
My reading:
10:55
